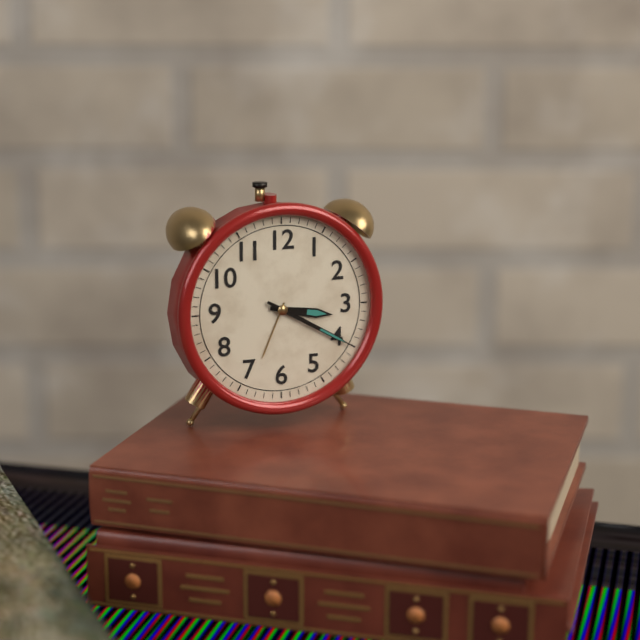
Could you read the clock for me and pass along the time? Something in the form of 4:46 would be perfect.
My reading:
3:20
